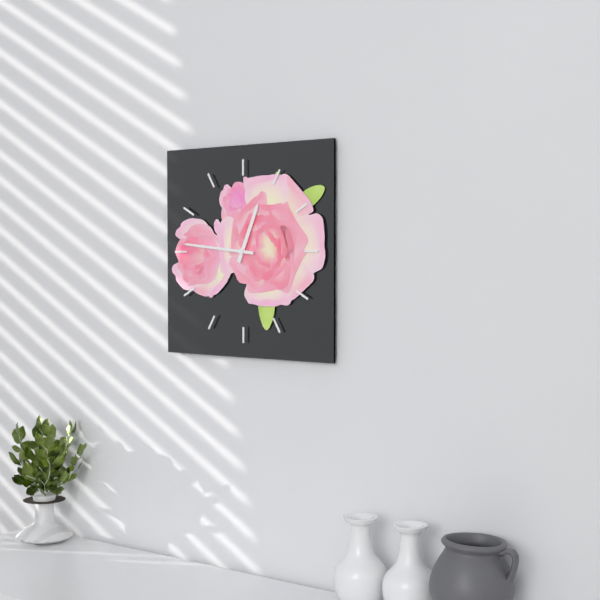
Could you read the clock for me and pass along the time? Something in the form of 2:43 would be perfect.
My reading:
12:46
